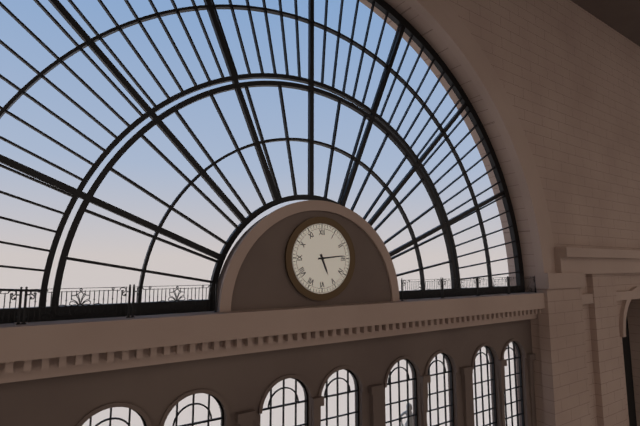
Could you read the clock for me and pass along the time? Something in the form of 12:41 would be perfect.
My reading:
5:14
